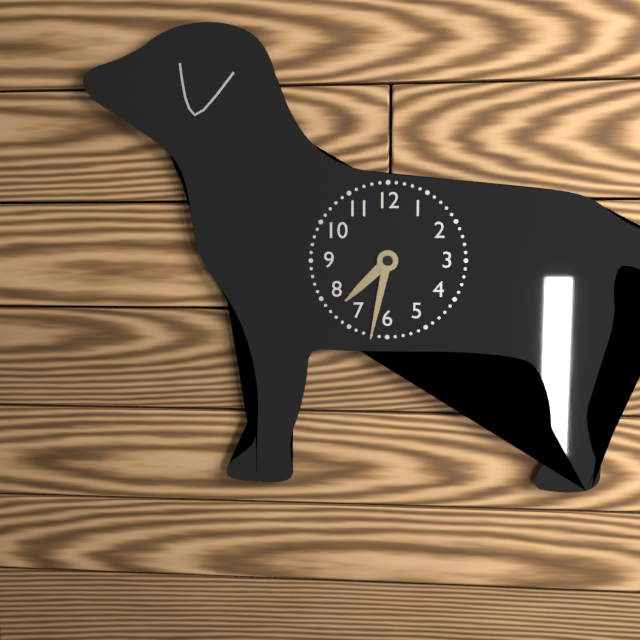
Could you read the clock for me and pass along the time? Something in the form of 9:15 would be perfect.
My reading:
7:32
